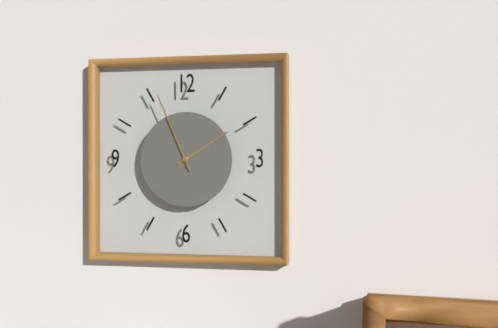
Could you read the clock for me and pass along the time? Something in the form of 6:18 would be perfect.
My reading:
1:56
